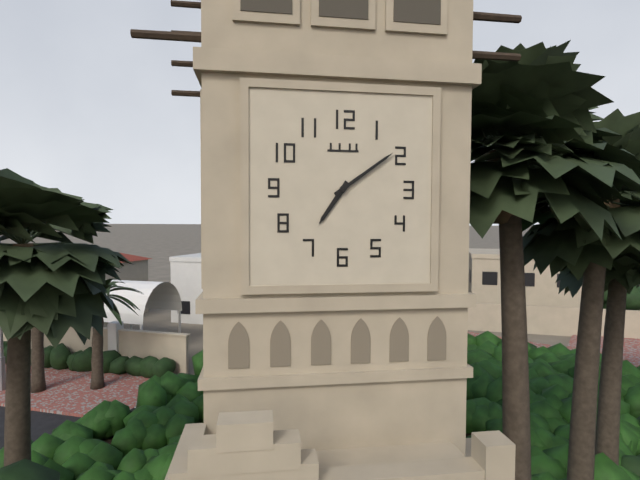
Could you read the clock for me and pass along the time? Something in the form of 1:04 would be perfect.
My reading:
7:09
